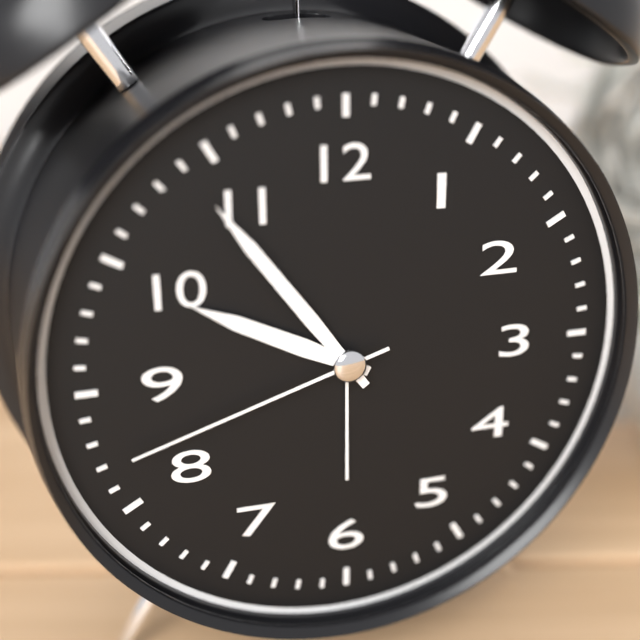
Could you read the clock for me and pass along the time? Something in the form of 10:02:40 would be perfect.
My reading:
9:54:42
